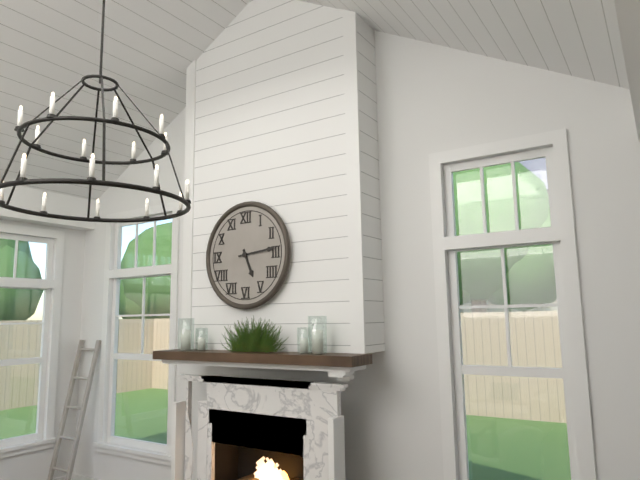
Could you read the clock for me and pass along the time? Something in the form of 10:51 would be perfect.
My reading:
5:14
